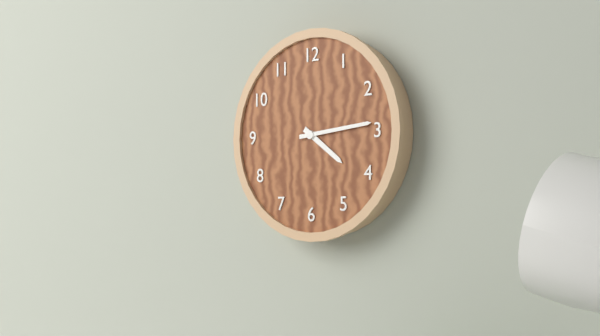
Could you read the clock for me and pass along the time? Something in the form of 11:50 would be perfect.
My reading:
4:14
